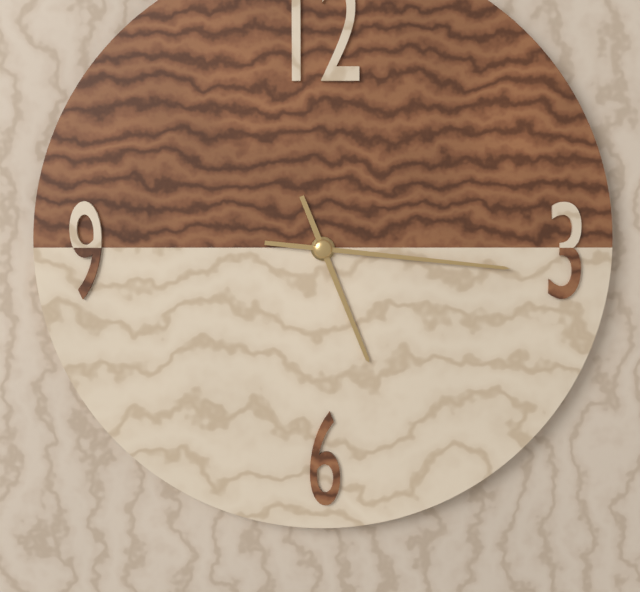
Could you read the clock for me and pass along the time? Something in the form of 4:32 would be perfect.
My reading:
5:16
